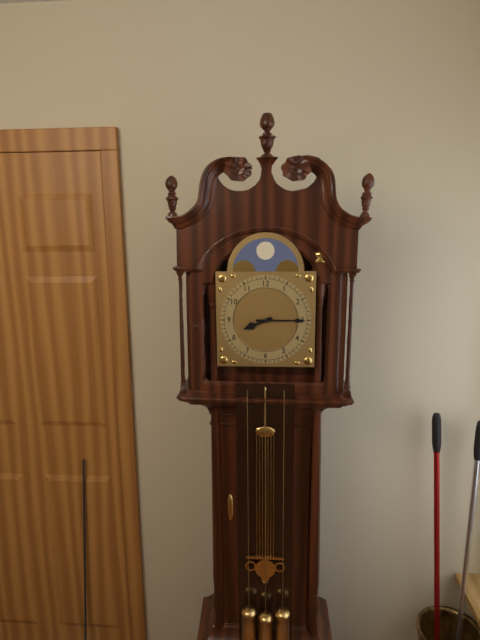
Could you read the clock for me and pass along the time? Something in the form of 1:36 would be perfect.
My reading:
8:15
